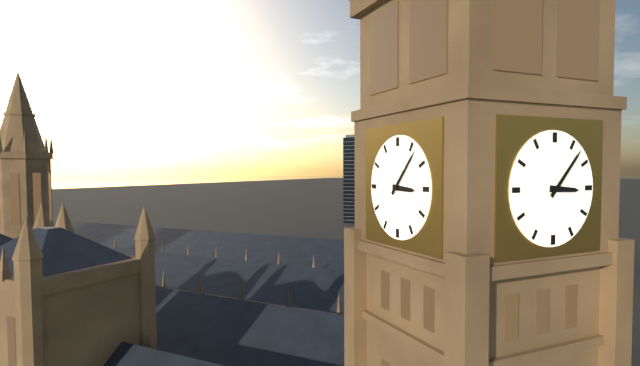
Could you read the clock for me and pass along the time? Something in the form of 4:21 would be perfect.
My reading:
3:07
